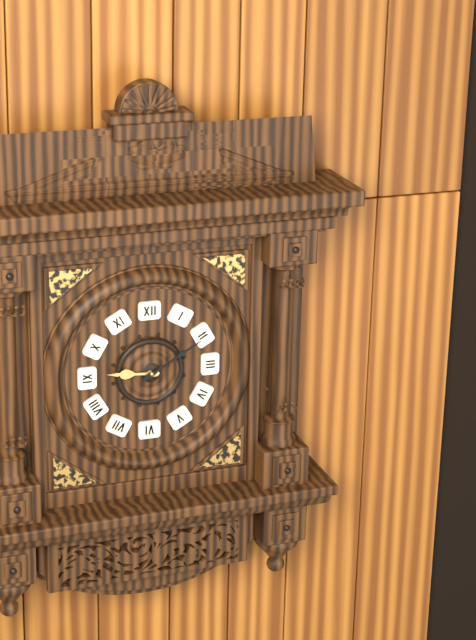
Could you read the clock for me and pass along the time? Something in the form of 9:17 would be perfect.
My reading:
9:10
